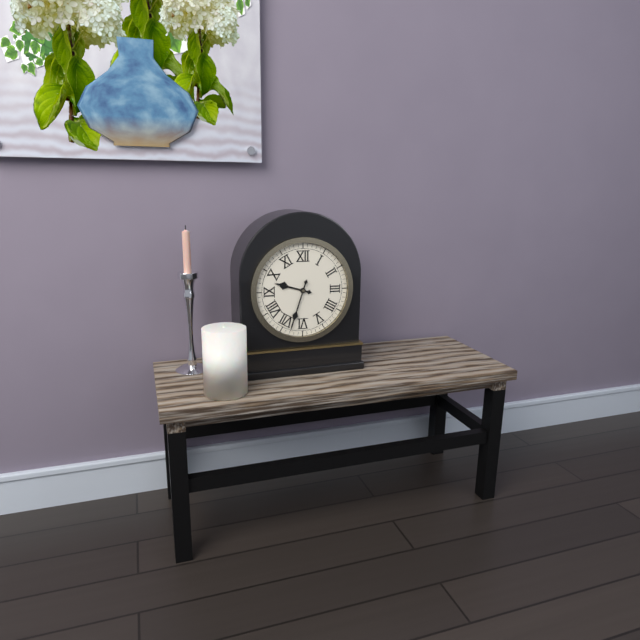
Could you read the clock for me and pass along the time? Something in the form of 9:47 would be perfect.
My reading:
9:33
